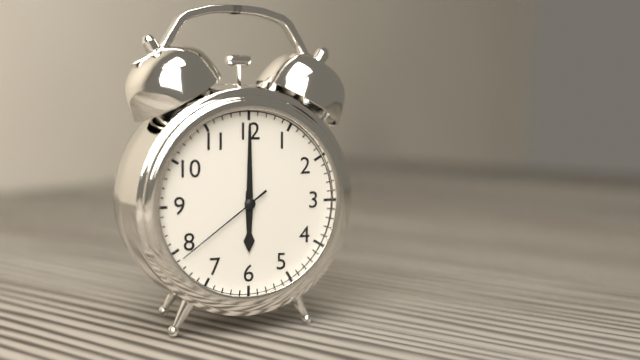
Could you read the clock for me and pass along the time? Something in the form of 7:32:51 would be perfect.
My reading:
6:00:39
